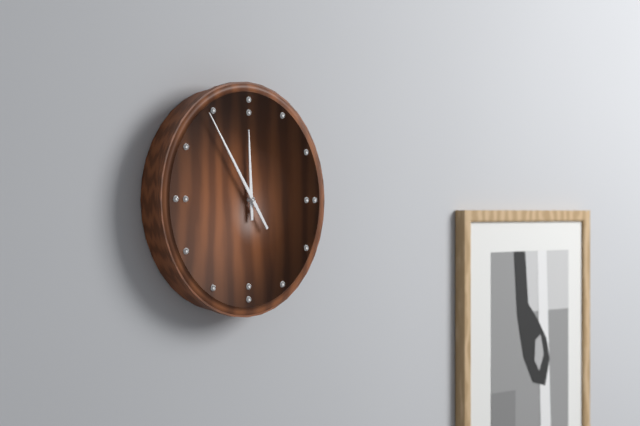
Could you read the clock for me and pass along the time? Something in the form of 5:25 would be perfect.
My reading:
11:54
